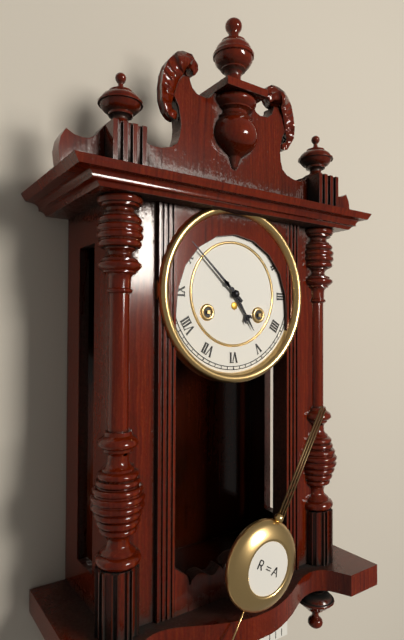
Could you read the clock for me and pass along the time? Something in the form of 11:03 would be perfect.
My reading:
4:52
